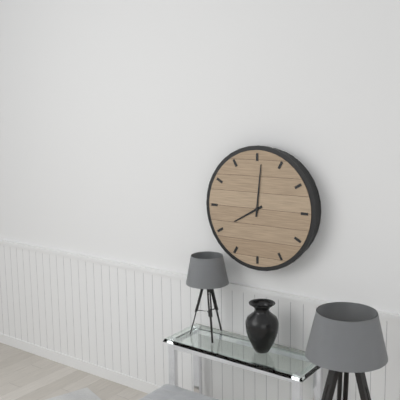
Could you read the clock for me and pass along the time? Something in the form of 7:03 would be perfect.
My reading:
8:01
